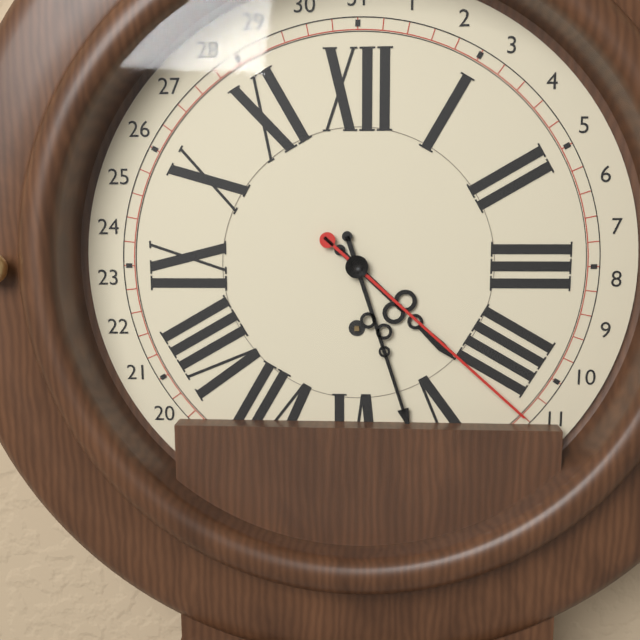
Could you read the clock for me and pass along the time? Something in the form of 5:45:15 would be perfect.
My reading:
4:27:22
